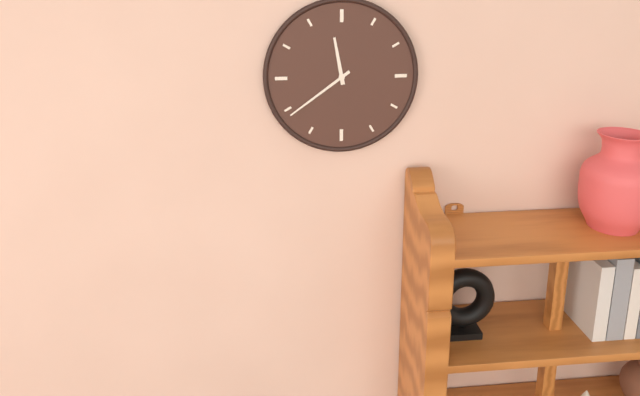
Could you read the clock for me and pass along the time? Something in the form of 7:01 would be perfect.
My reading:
11:39
